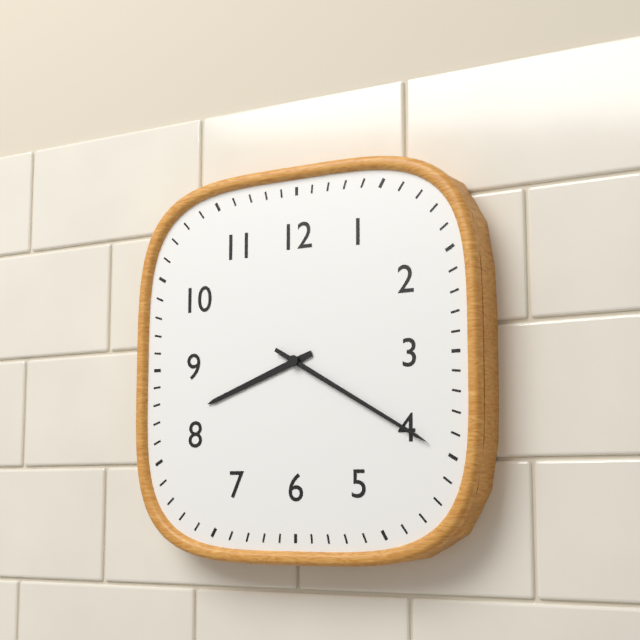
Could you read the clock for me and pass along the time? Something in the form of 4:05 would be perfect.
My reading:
8:20
